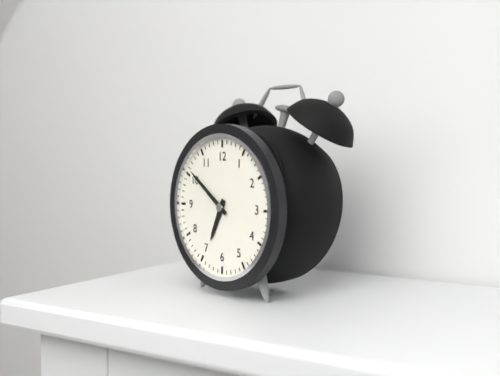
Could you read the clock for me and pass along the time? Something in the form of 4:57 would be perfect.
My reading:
6:51
